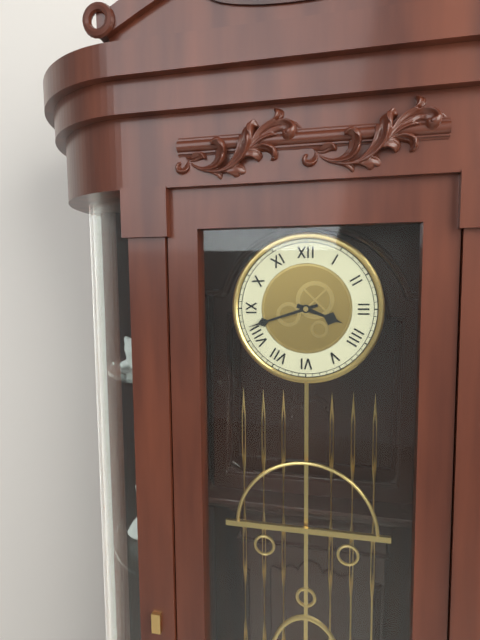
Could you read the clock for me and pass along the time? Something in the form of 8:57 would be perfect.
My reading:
3:42
